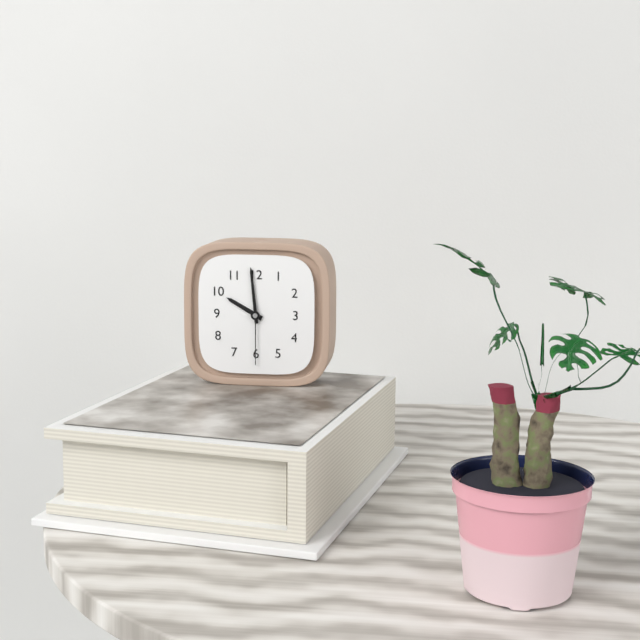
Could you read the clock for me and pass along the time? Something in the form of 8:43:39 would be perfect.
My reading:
9:59:30
